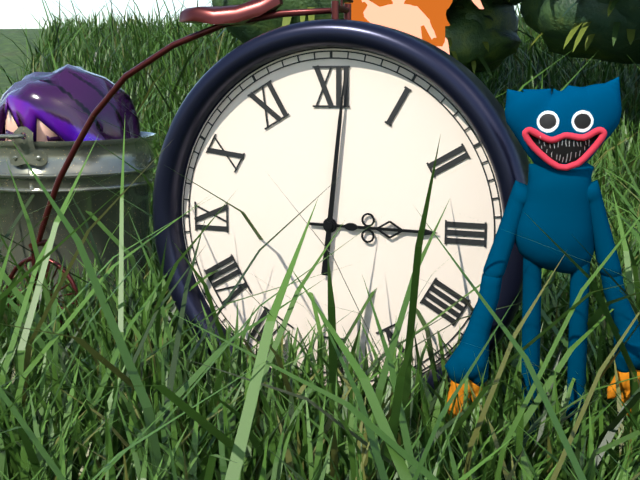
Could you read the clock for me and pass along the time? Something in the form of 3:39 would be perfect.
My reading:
3:01
